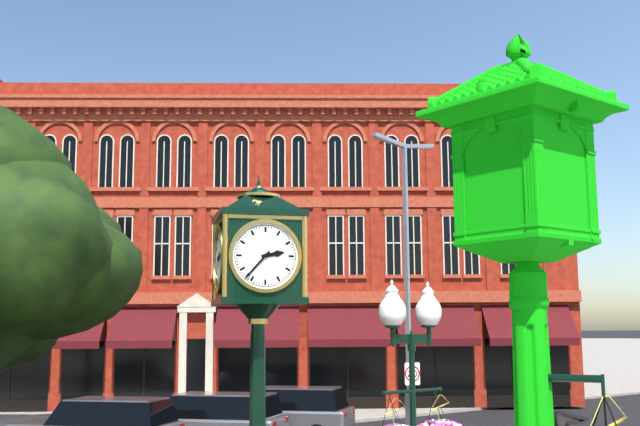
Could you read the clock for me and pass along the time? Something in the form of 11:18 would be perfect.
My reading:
2:37
